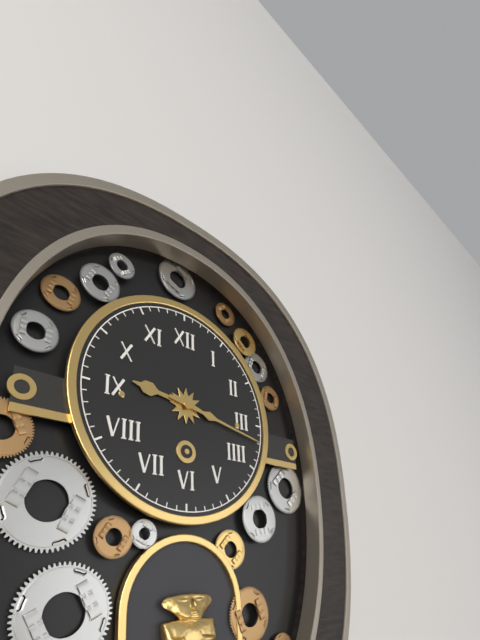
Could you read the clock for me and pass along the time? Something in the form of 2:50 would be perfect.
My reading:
9:17
